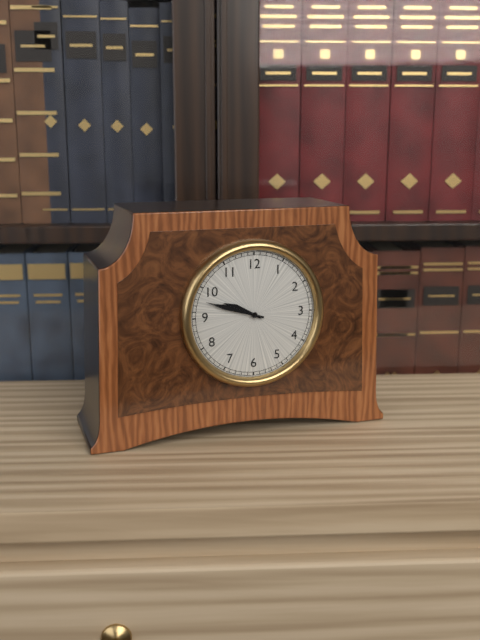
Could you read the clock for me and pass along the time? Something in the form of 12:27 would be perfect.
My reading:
9:48
